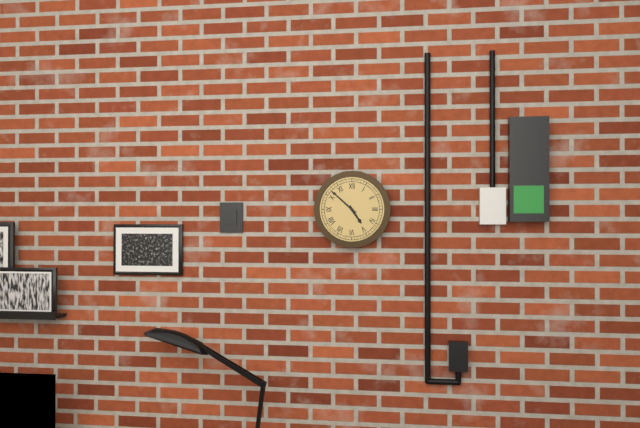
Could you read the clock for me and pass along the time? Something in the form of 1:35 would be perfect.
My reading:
4:52
